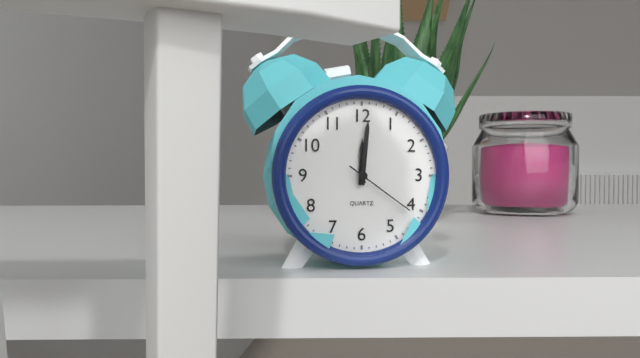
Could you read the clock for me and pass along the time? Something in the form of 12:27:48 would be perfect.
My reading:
12:01:21
